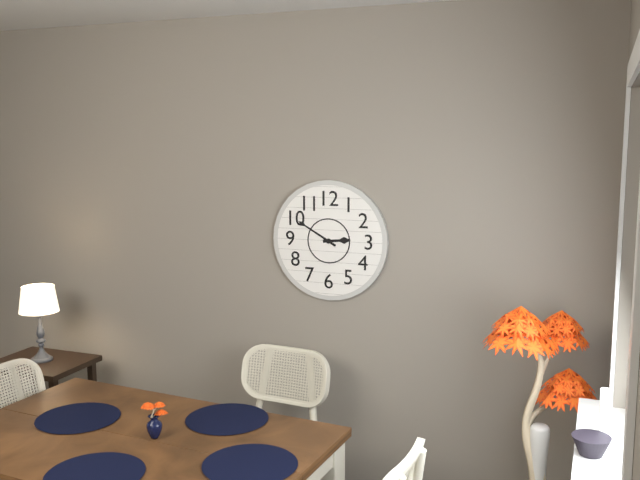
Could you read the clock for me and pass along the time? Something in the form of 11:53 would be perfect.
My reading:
2:50
